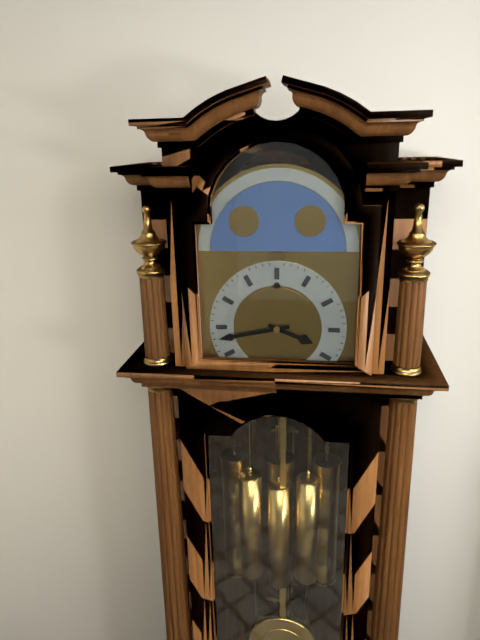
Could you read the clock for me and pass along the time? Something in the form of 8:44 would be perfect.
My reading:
3:43
